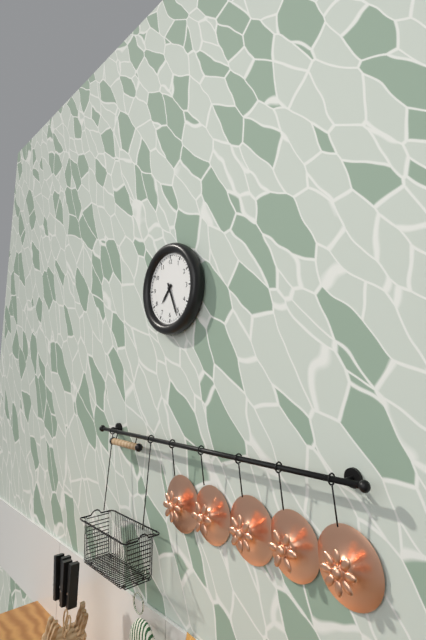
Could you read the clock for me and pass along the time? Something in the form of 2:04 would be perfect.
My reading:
7:26
